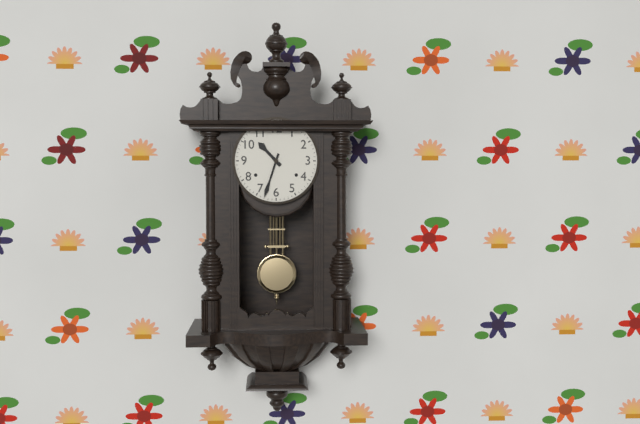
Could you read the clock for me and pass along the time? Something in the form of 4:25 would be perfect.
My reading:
10:33
